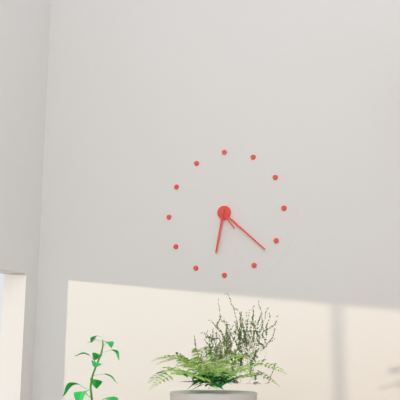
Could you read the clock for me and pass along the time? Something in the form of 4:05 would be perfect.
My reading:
6:22
